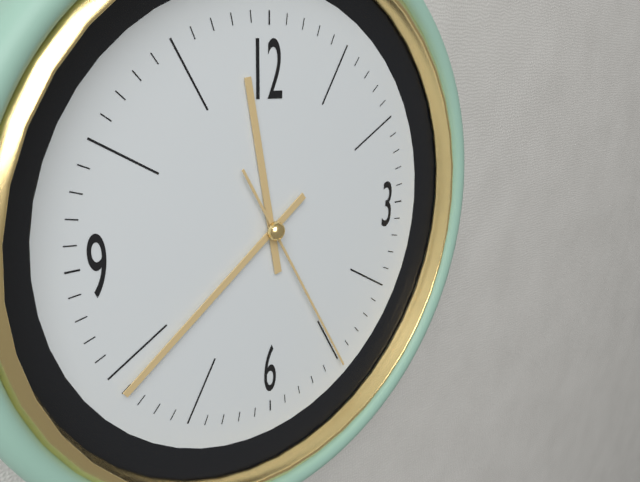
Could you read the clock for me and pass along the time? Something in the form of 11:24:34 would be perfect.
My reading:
11:39:25
